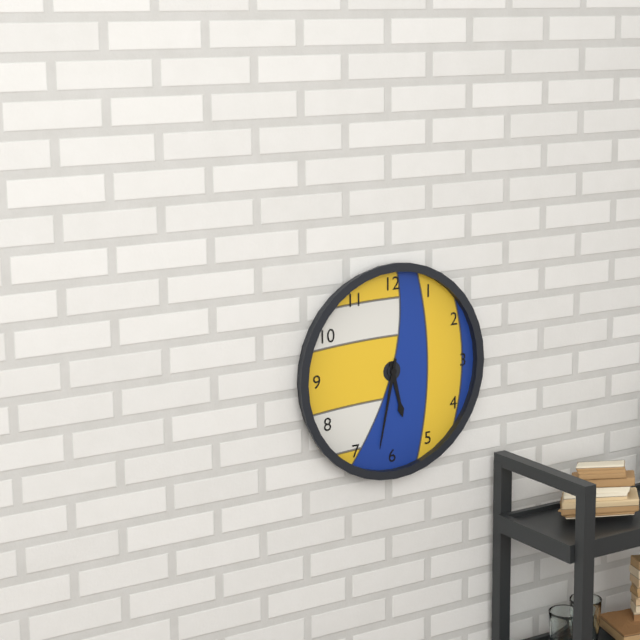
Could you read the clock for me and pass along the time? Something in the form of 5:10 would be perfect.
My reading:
5:32
